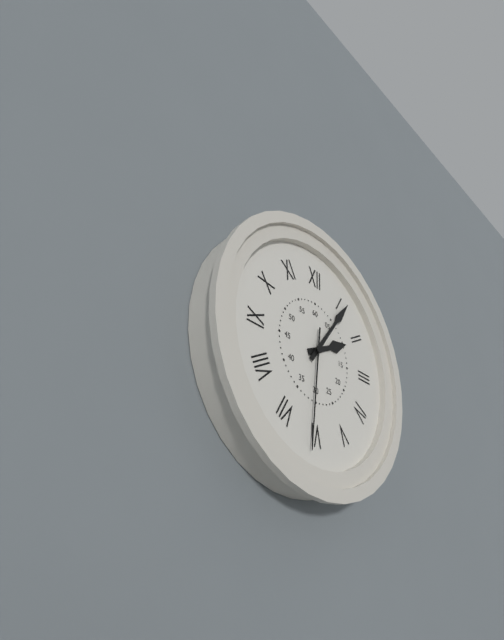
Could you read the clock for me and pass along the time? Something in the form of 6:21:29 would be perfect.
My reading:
2:06:31
